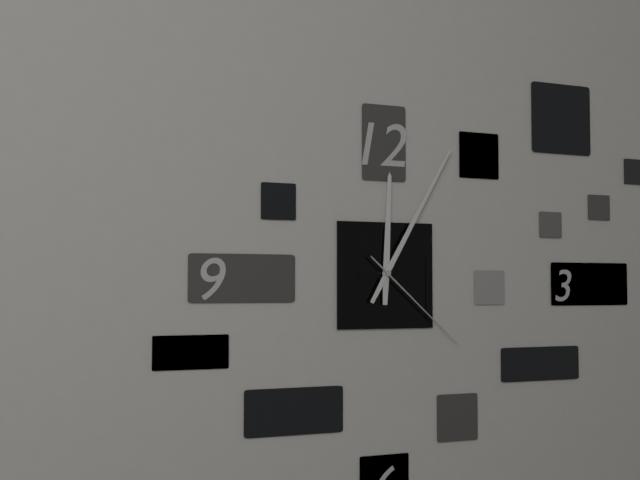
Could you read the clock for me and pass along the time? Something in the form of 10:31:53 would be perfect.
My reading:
12:05:22
